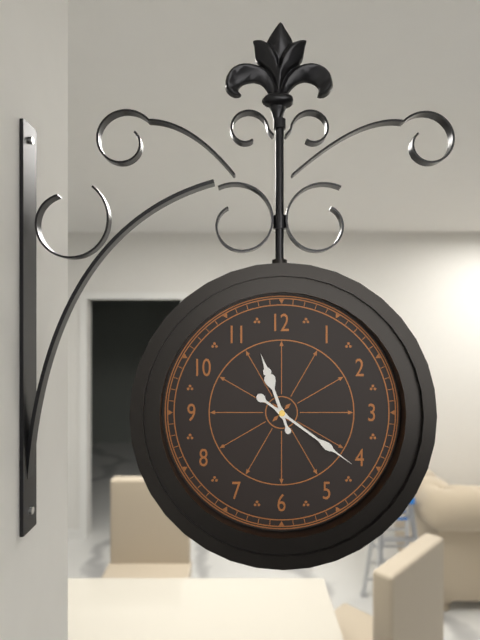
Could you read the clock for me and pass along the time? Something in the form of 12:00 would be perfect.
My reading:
11:21
